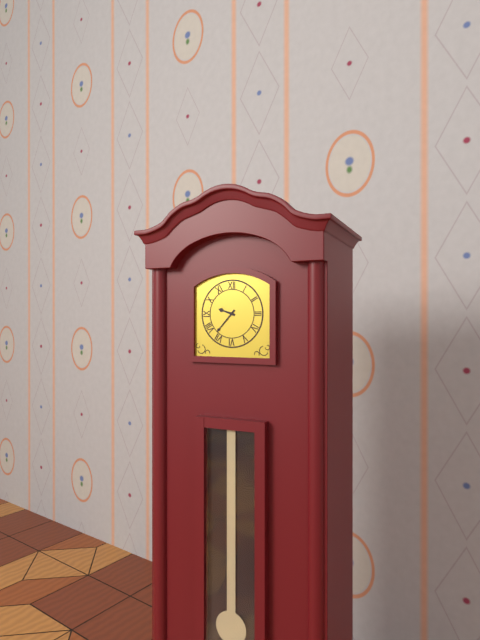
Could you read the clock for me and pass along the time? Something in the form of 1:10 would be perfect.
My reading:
9:37
